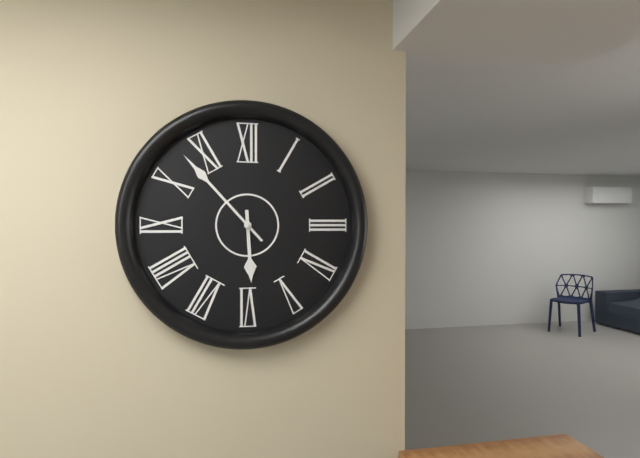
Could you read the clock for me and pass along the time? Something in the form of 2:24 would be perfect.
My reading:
5:53
